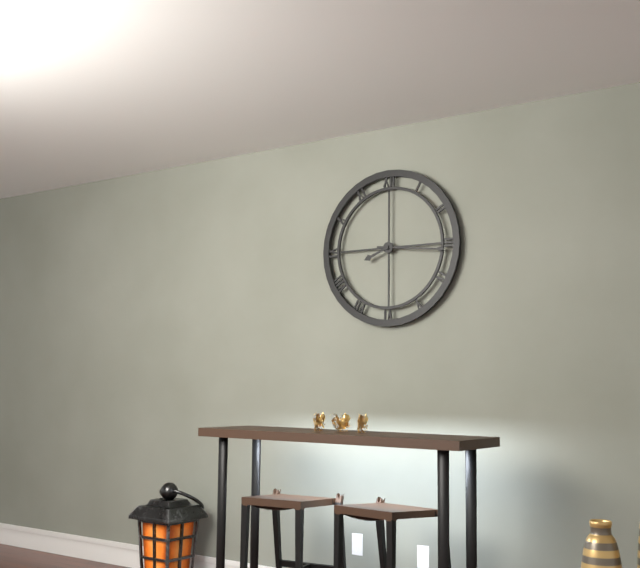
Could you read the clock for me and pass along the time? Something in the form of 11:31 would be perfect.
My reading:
8:16
